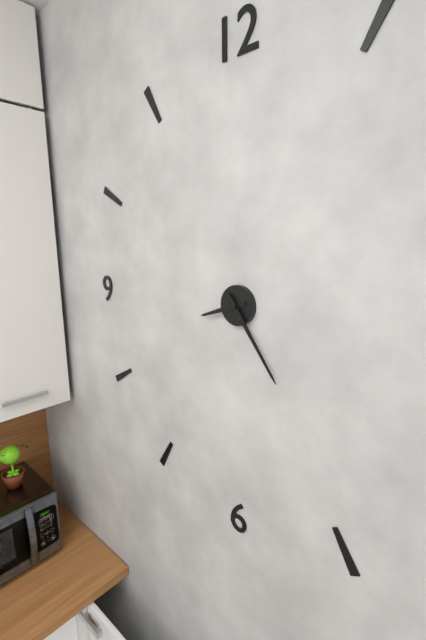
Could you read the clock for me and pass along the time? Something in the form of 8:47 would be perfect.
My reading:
8:24
